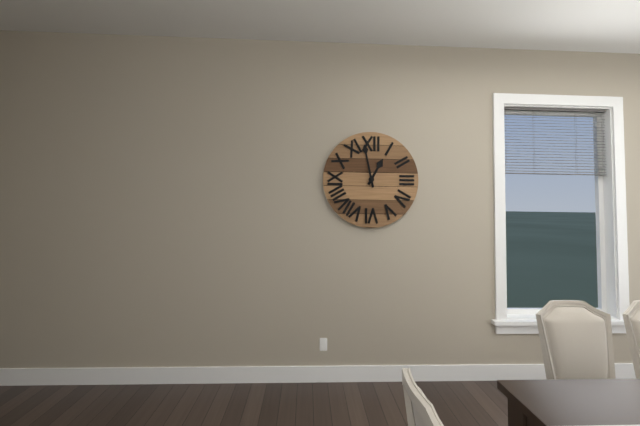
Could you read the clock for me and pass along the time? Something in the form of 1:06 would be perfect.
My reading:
12:58
